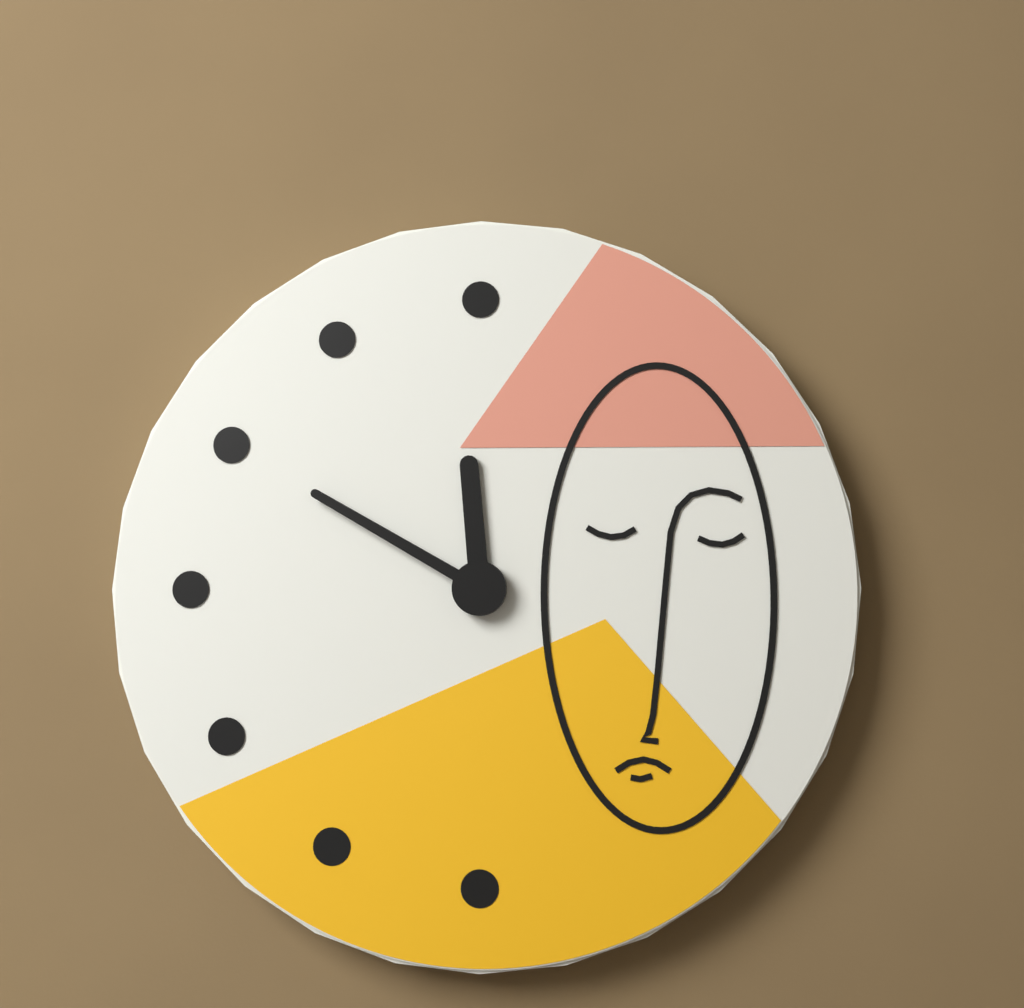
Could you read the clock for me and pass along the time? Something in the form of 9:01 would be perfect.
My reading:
11:50
